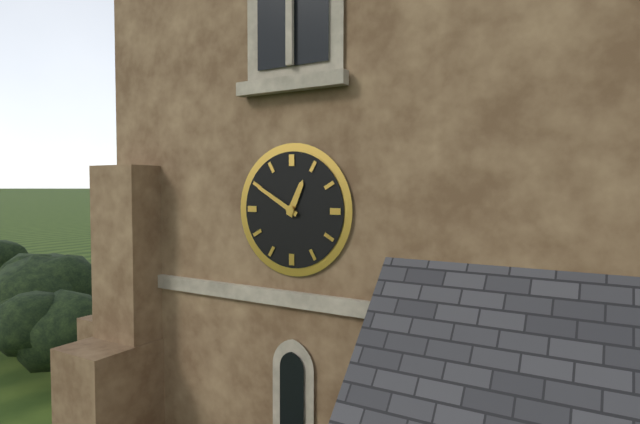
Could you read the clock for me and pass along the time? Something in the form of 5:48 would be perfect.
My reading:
12:50
